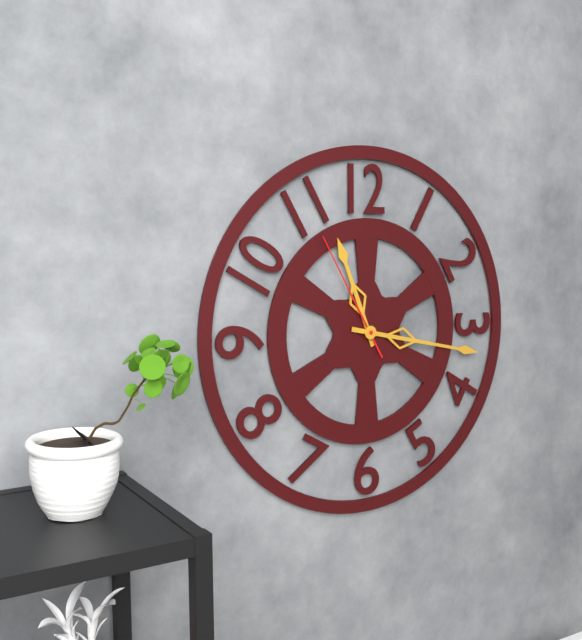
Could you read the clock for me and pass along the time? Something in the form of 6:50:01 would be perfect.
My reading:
11:17:55
